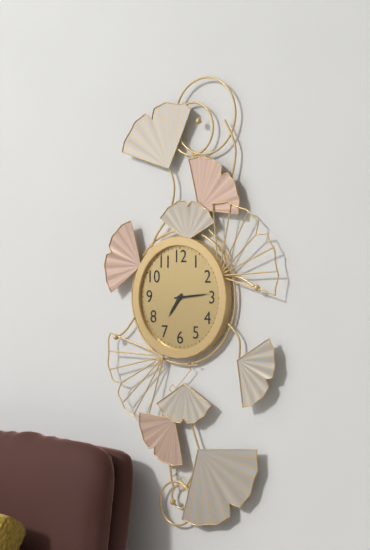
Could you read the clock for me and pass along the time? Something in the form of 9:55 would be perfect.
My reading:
7:14
